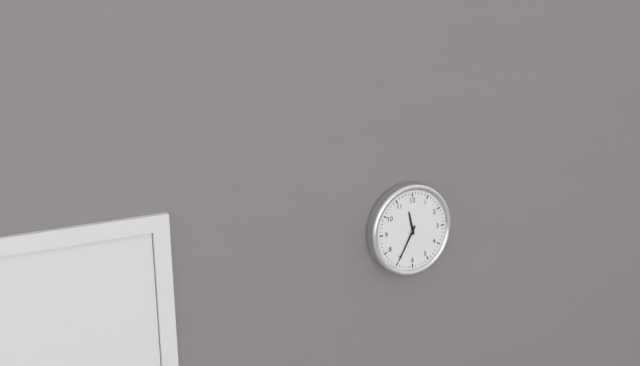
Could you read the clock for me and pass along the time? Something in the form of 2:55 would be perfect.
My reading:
11:35
